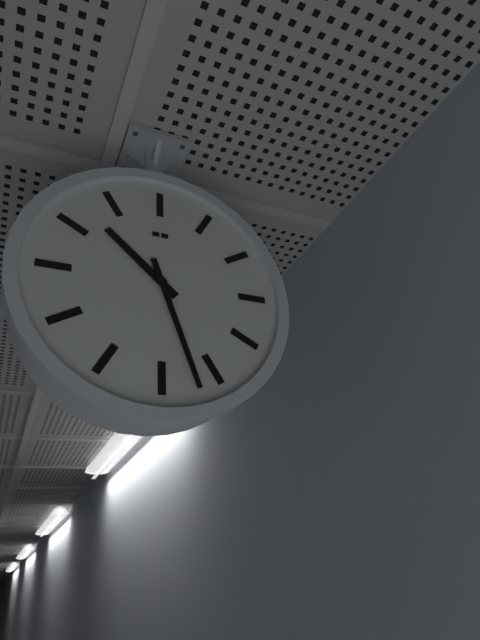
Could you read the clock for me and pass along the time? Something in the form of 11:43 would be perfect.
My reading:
10:27
